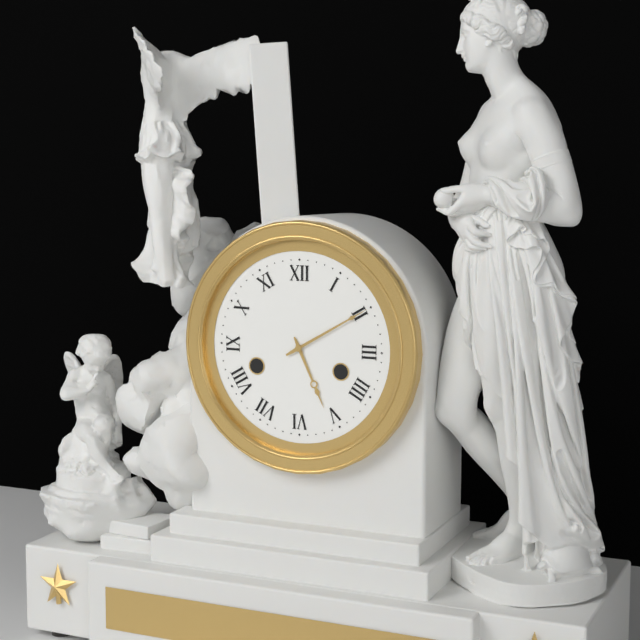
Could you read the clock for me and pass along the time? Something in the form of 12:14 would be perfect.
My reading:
5:10
